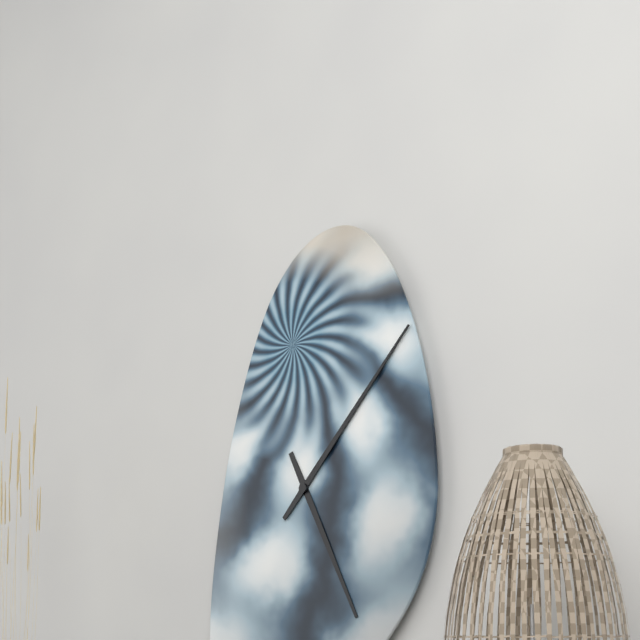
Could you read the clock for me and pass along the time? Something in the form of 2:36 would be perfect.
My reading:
5:07
